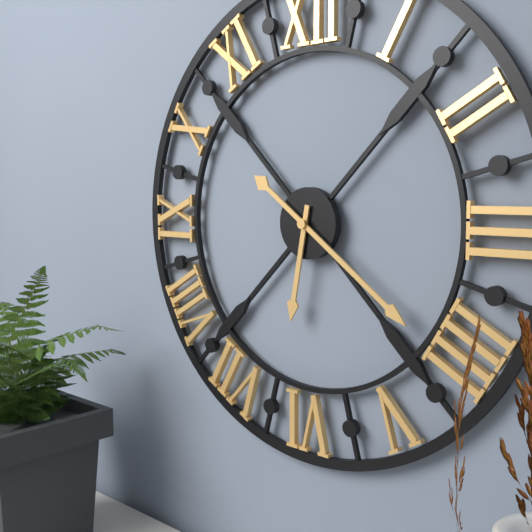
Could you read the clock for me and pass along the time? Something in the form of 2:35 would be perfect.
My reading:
6:21
